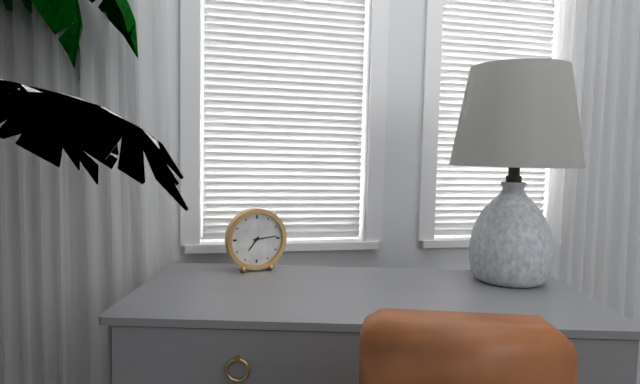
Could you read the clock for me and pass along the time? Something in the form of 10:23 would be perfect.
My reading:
7:14
